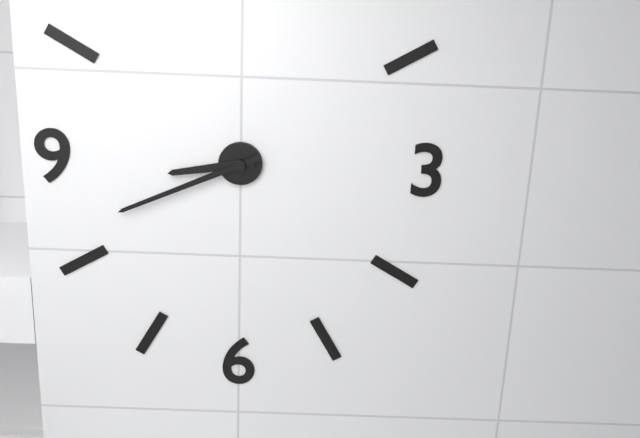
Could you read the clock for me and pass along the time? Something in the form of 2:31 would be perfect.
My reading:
8:41
